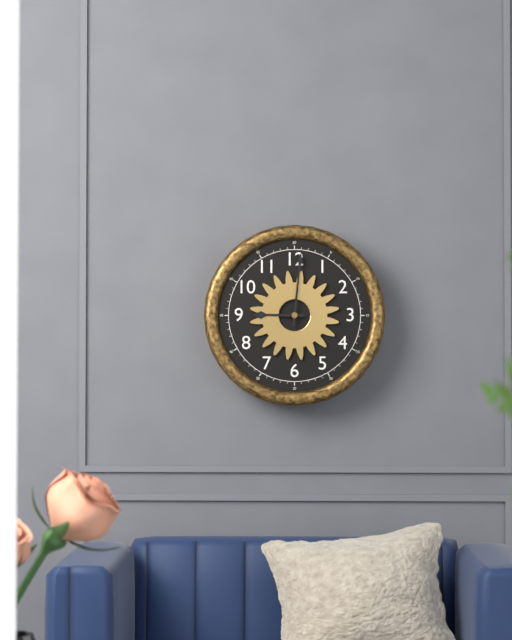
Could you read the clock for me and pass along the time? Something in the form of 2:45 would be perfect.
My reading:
9:01
